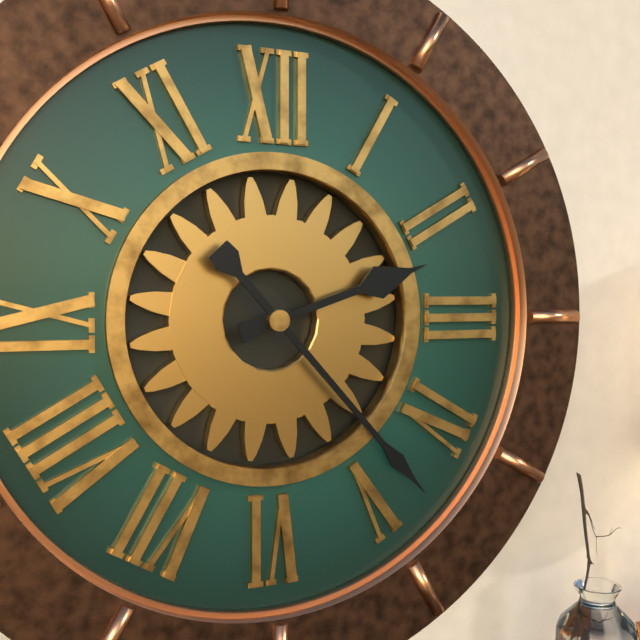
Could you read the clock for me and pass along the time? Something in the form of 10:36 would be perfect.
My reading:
2:23
